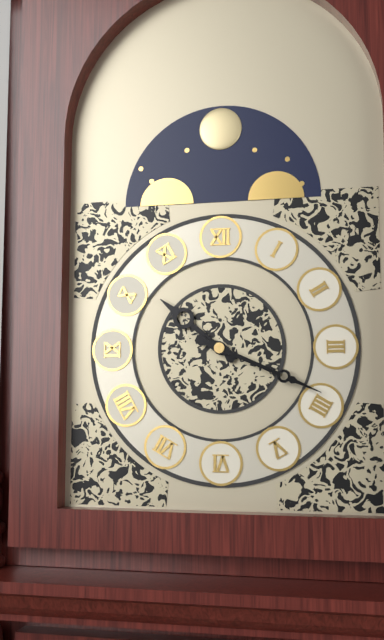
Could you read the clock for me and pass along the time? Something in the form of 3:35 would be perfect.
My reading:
10:19
